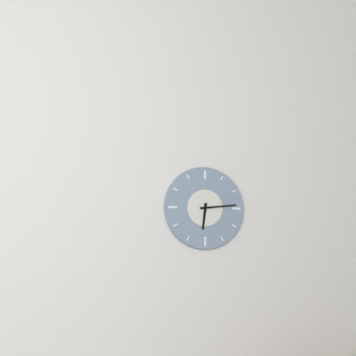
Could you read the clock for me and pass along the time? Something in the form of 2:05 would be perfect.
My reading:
6:14
